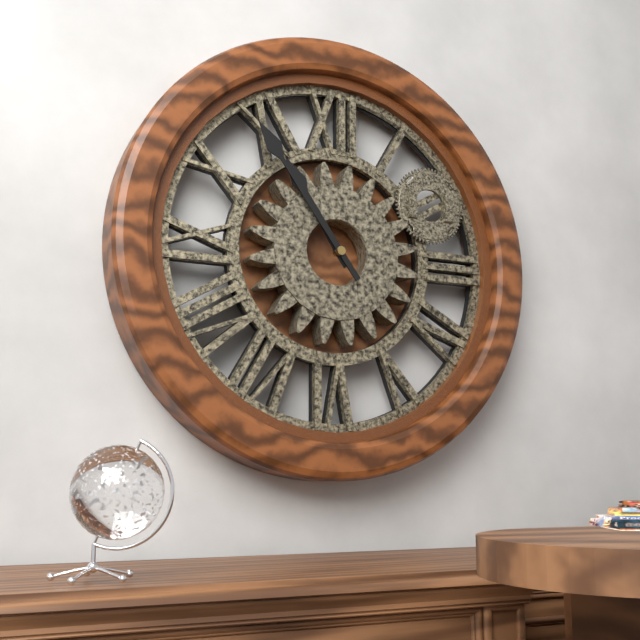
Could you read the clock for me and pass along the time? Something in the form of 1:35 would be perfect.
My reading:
10:54
